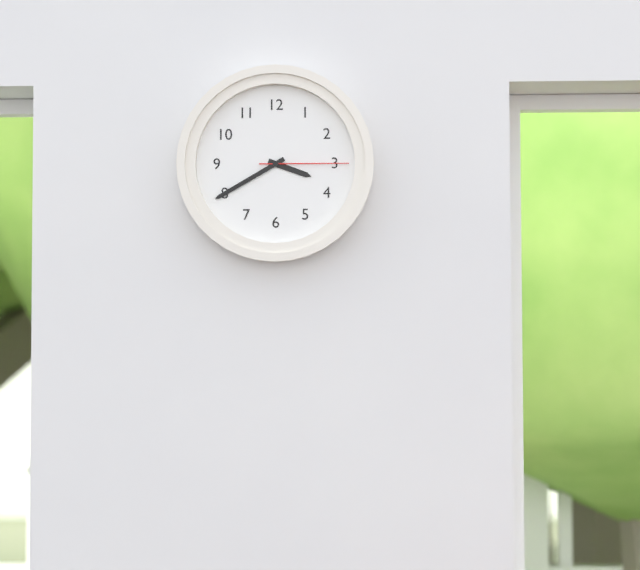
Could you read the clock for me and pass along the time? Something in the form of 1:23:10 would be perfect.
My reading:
3:40:15
